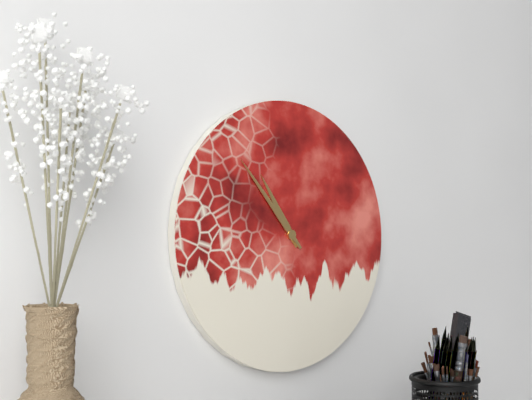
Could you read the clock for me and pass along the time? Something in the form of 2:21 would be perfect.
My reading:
10:53
